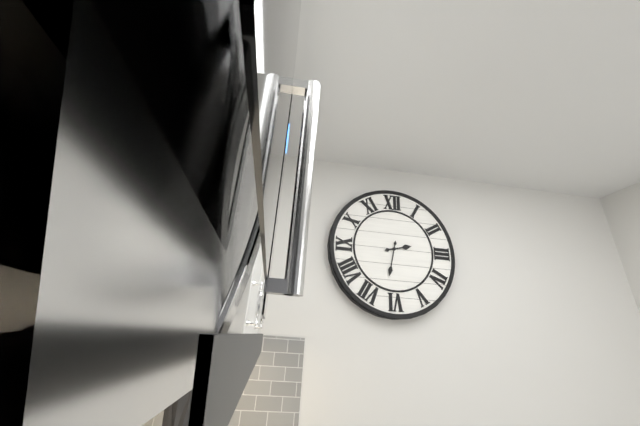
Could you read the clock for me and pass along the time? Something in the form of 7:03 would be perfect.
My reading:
2:32
